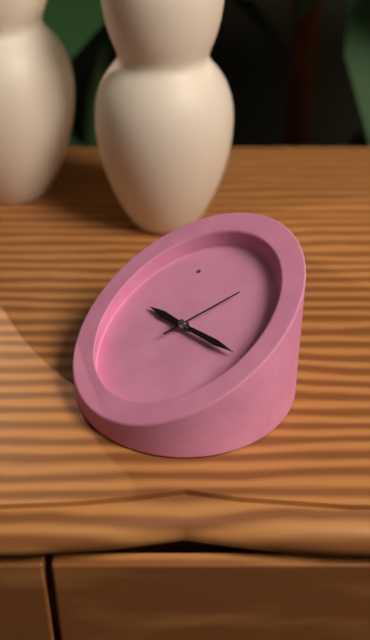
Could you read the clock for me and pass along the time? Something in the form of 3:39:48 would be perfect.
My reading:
11:27:17
